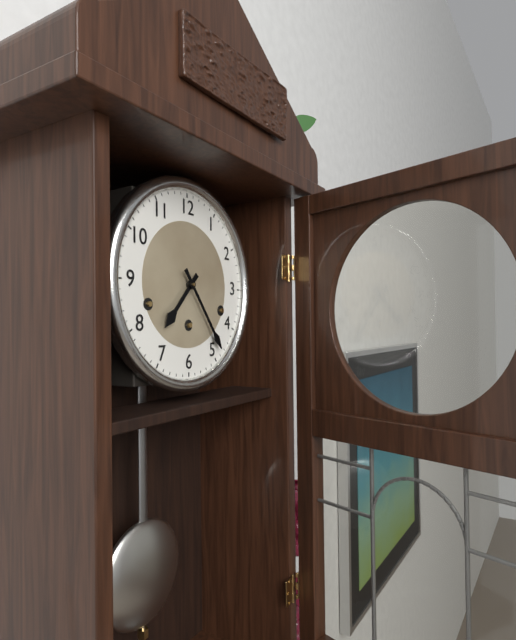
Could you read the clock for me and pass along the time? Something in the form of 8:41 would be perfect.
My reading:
7:24
